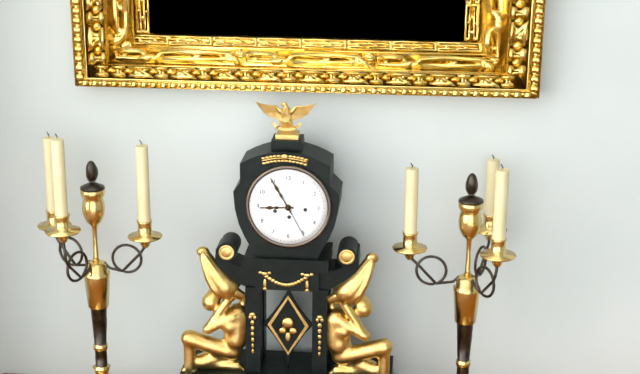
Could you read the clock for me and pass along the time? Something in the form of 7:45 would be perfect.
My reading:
8:55
